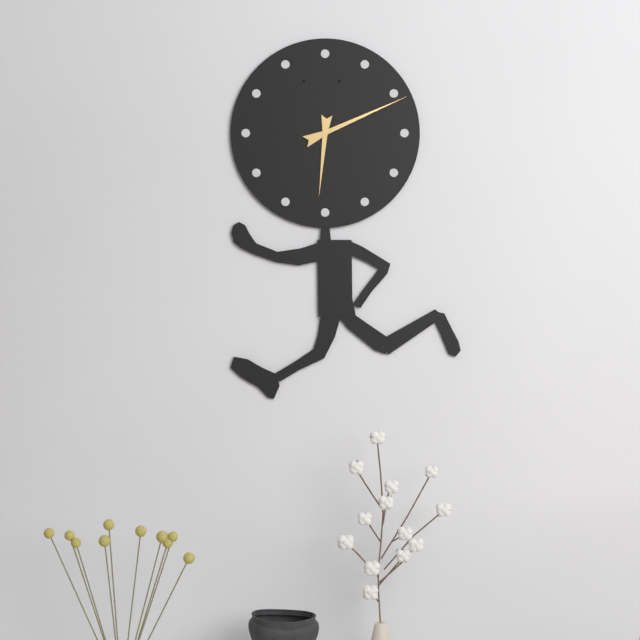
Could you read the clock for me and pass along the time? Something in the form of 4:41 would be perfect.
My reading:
6:11
